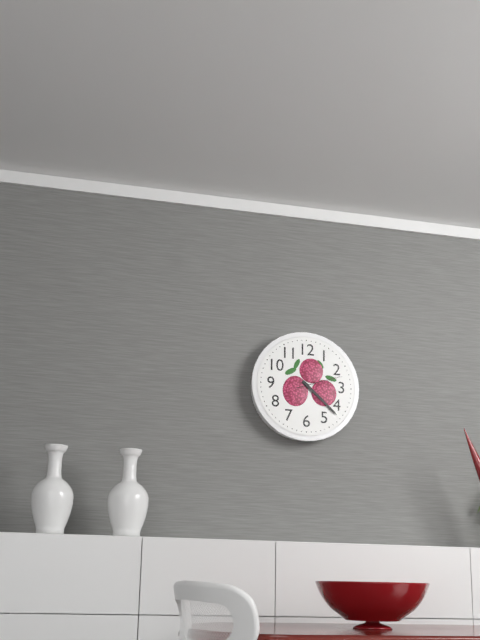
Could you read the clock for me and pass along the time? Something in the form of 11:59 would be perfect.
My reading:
4:22
